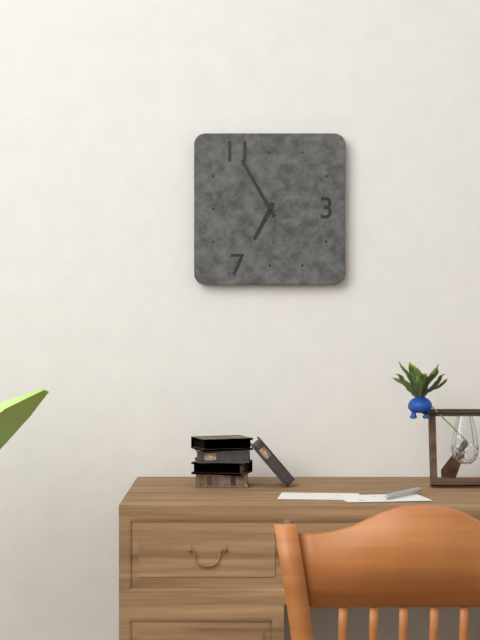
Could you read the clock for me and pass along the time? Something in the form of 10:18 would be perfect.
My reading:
6:55
